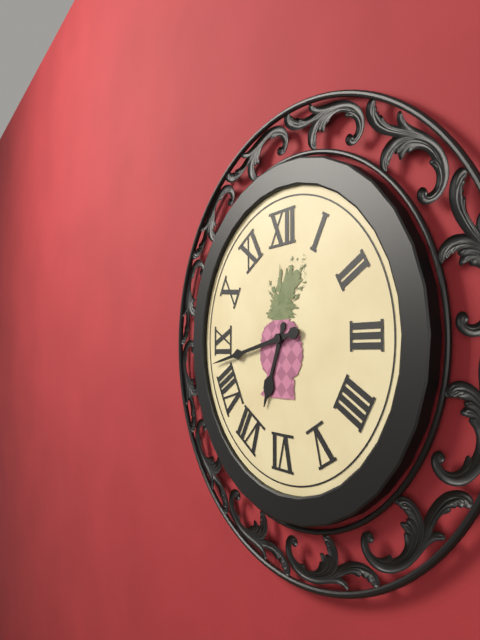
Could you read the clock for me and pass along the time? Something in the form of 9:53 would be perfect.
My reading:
6:43
